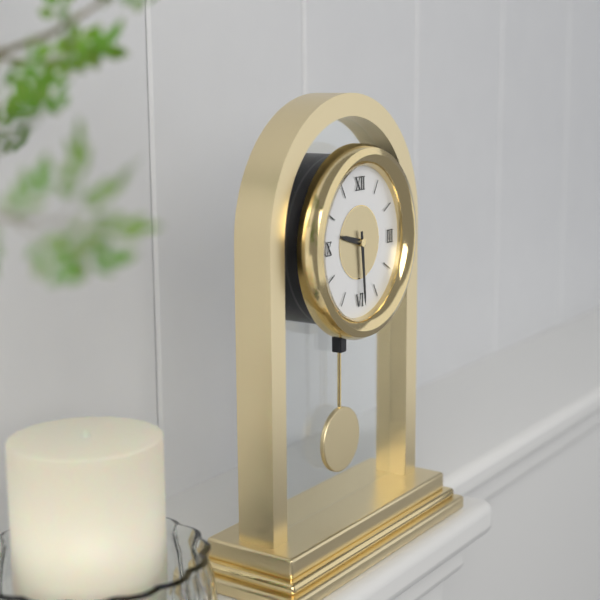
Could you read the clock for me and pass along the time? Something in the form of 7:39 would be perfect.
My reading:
9:29
